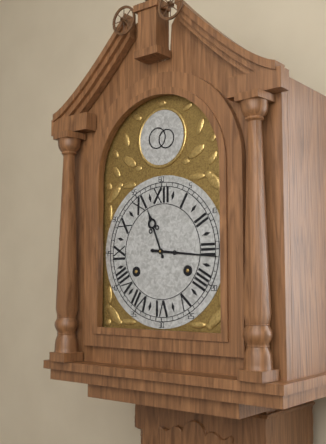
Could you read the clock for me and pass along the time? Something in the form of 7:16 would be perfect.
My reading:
11:16
